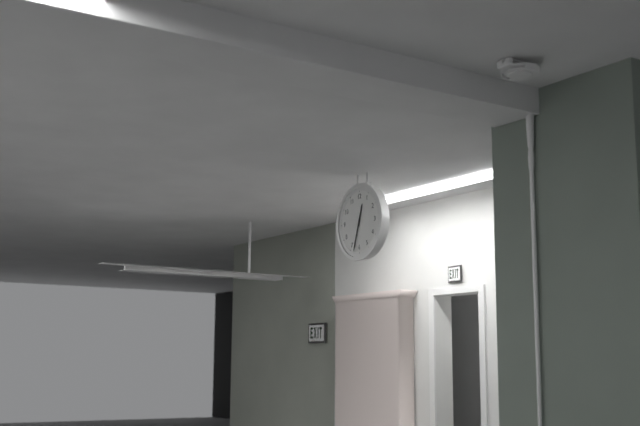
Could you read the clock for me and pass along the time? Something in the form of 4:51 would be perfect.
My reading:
12:33
